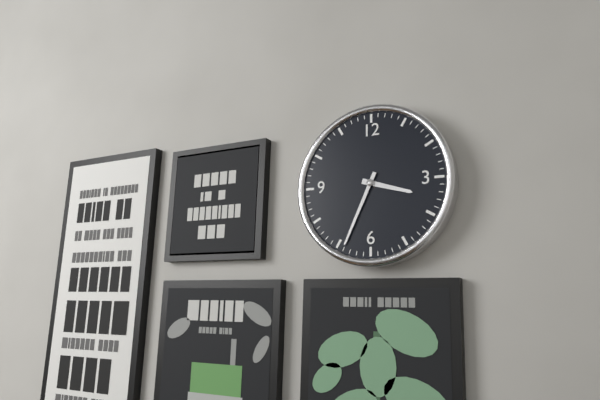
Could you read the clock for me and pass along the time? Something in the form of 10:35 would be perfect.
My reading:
3:34
